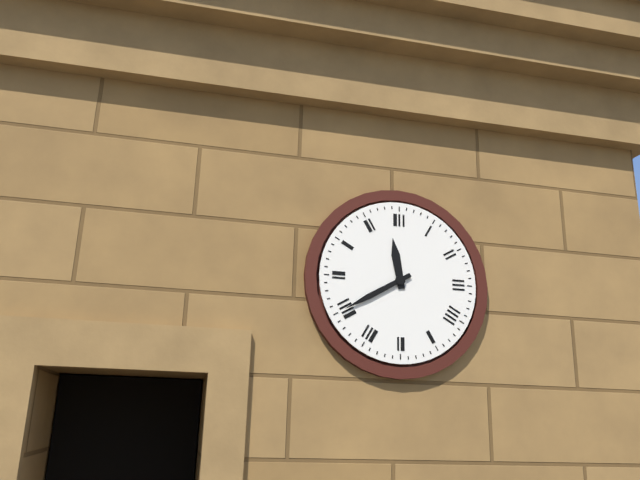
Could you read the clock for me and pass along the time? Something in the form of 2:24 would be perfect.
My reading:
11:40
